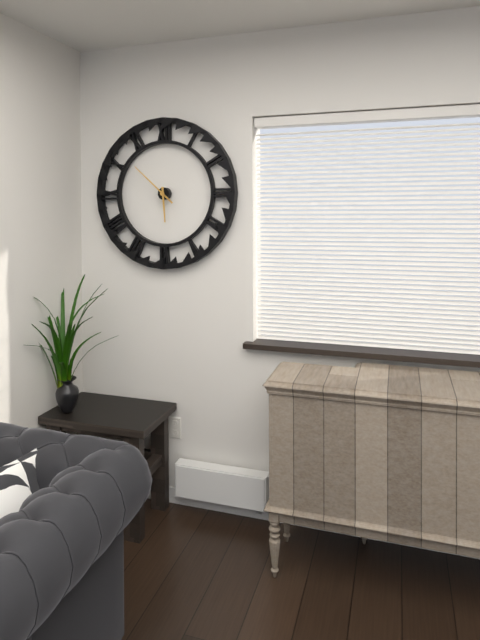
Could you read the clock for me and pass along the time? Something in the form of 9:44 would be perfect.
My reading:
5:52
